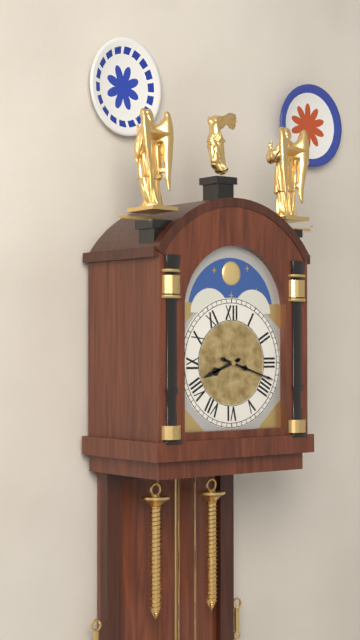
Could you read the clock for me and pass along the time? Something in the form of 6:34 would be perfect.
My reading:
8:18
